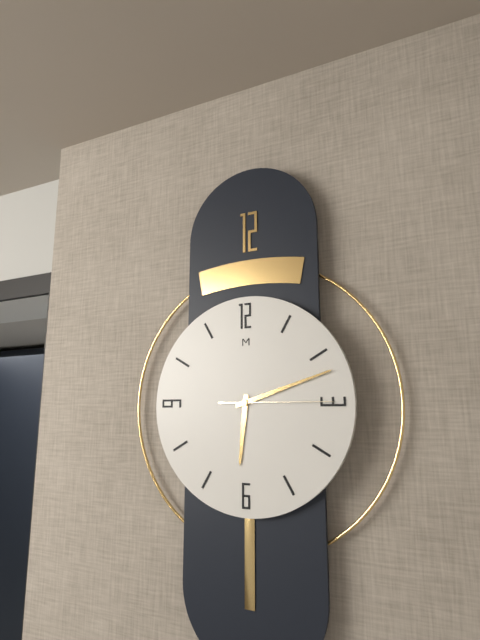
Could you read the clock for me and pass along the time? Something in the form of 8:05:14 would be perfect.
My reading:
6:12:15
